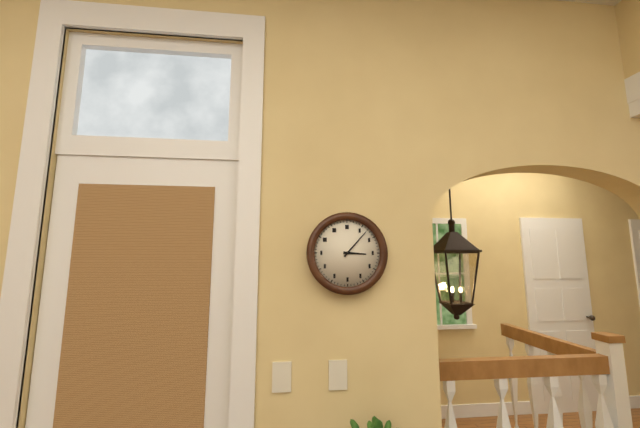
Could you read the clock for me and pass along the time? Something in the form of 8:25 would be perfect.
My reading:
3:07
